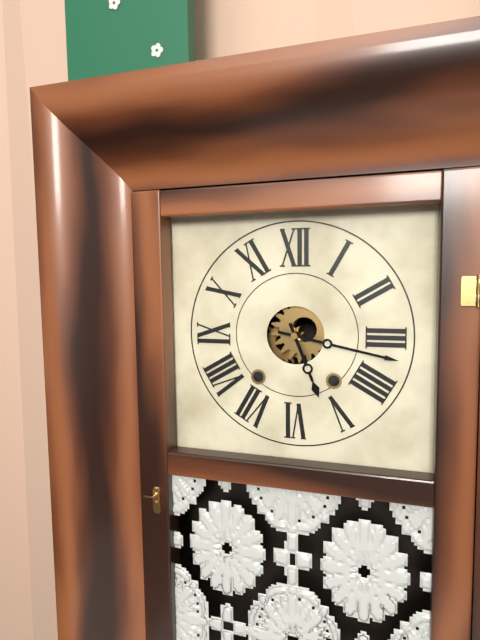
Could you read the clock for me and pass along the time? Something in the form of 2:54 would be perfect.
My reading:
5:17
